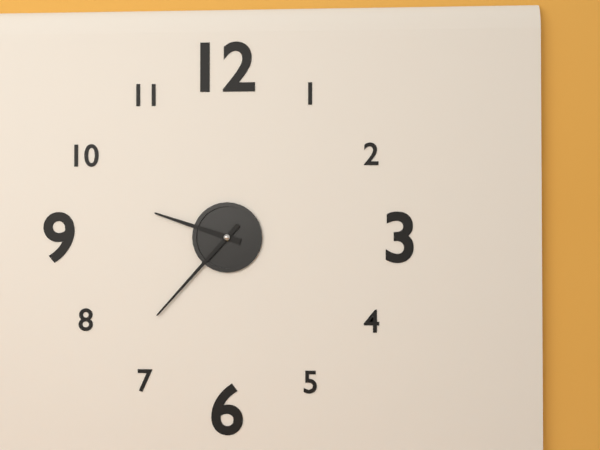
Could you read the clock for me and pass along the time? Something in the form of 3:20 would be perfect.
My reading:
9:37
